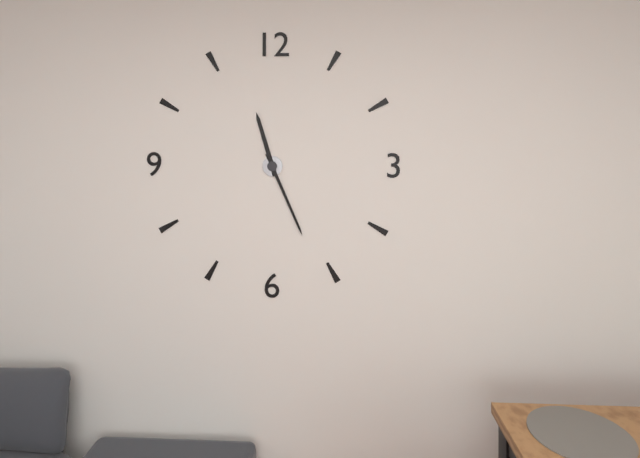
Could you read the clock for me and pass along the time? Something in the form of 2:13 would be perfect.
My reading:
11:26
